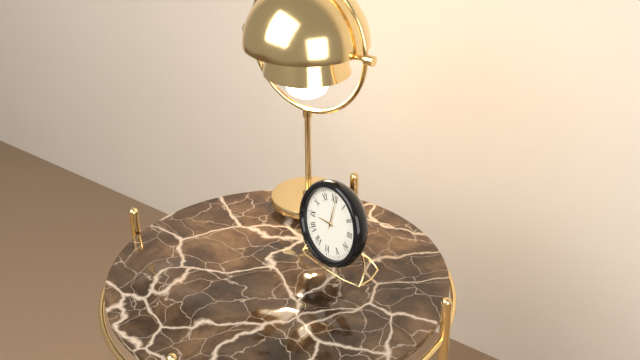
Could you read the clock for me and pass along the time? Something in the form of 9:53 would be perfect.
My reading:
9:01
